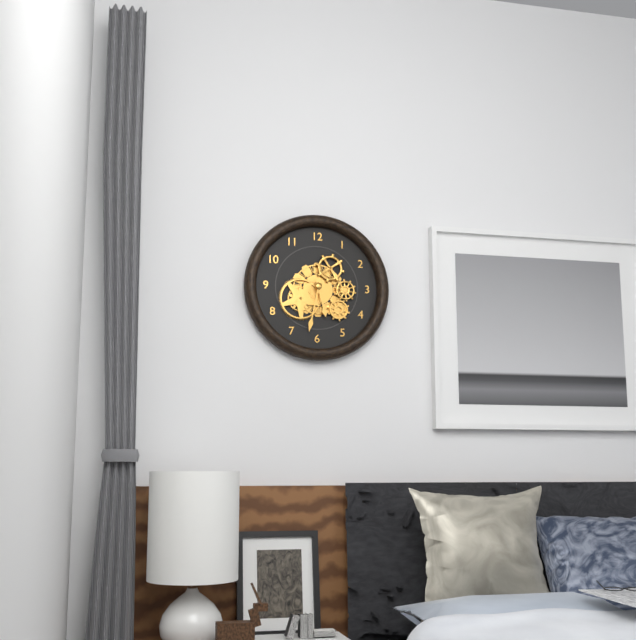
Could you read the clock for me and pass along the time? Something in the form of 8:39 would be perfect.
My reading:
5:32
